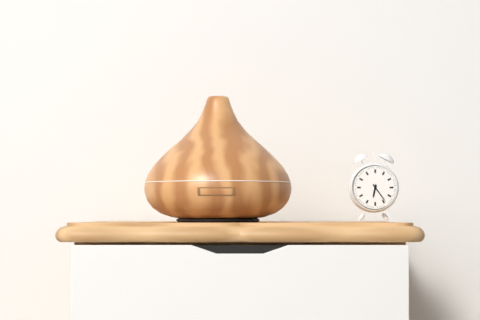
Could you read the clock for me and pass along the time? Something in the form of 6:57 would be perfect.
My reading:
6:24
